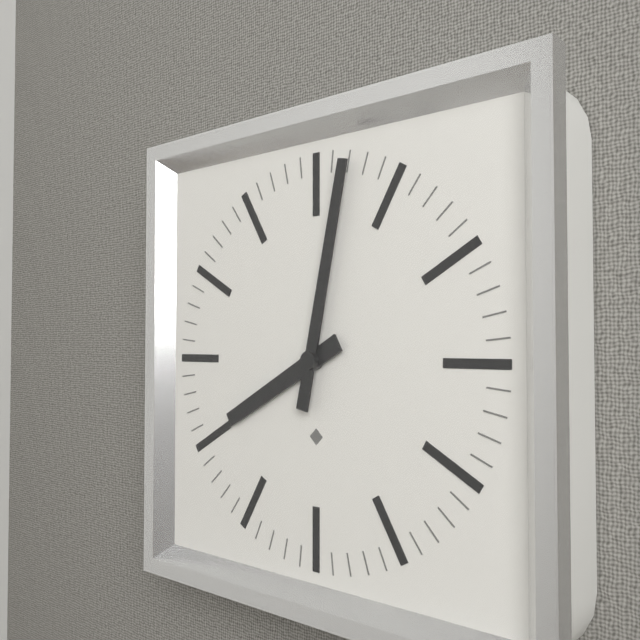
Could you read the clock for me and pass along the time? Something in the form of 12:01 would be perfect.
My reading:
8:02
